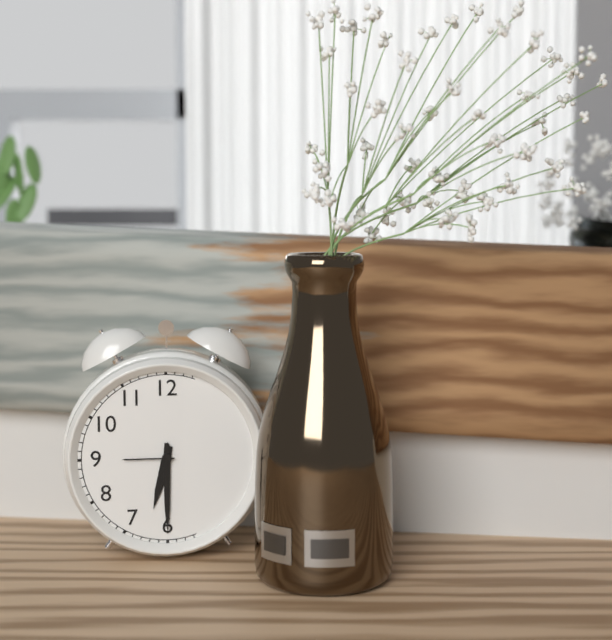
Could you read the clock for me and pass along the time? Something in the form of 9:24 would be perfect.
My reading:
6:30
